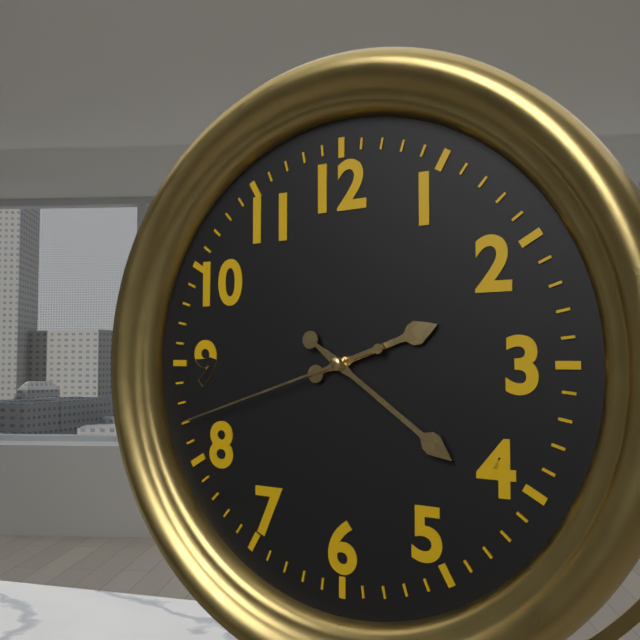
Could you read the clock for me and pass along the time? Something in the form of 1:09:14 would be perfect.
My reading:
2:21:42
